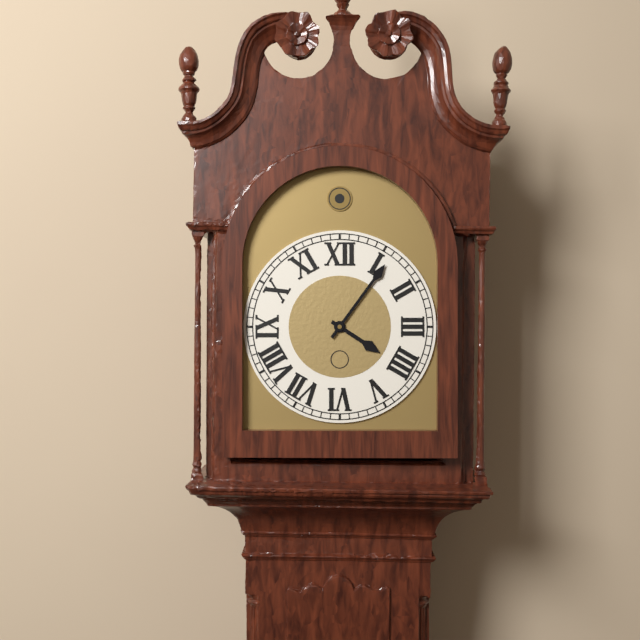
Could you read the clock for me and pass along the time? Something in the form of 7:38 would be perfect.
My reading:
4:06
